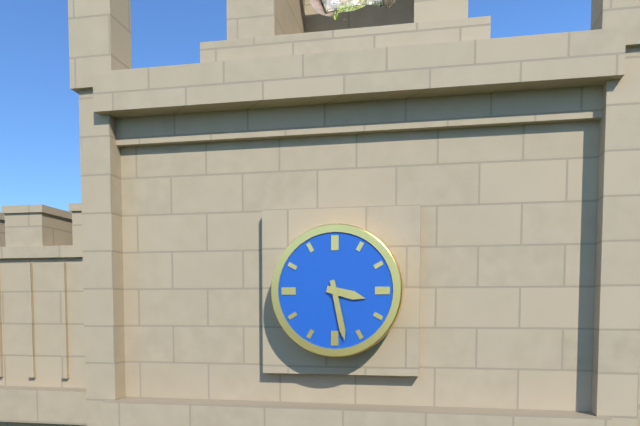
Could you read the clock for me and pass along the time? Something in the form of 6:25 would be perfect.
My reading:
3:28
